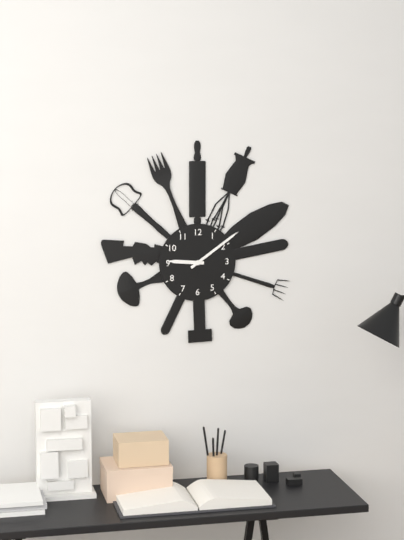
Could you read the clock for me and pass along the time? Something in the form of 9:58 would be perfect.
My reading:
9:09
